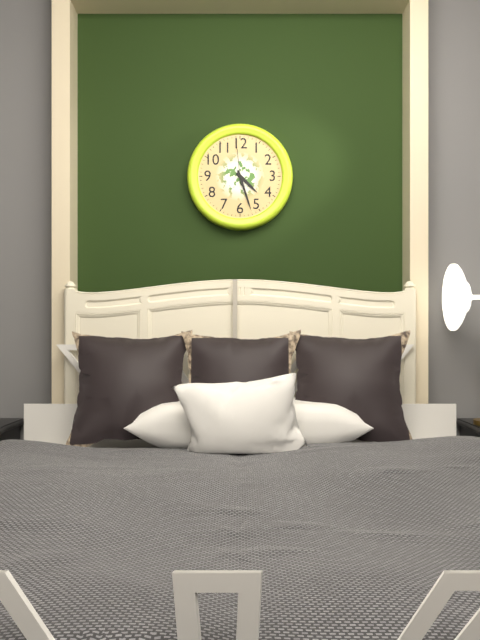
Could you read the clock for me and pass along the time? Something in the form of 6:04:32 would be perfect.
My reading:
4:27:59
